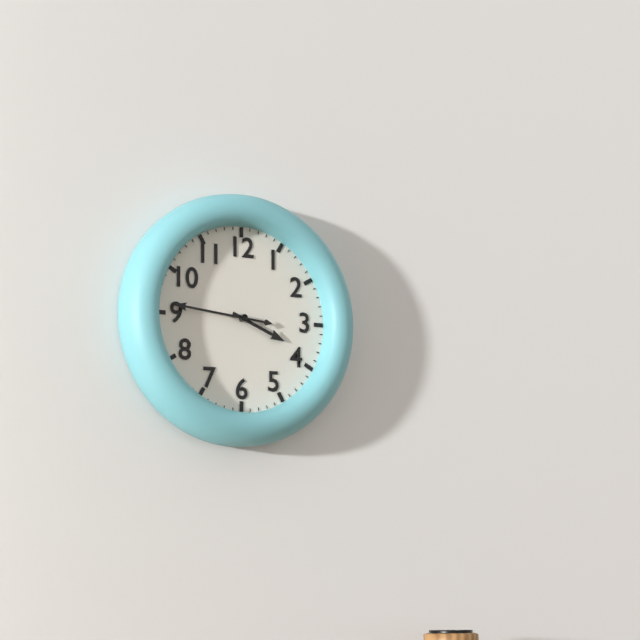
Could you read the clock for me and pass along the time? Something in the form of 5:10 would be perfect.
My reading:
3:46
